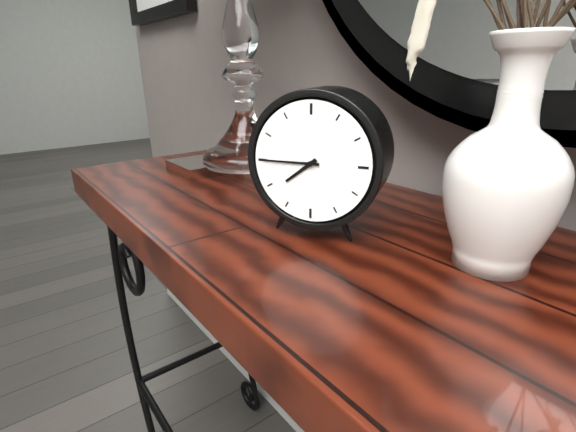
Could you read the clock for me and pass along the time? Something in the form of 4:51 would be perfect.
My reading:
7:45
